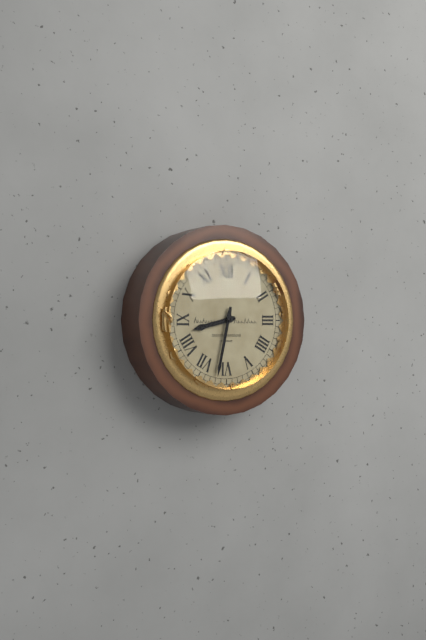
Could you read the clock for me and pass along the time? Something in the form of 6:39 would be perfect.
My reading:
8:32
